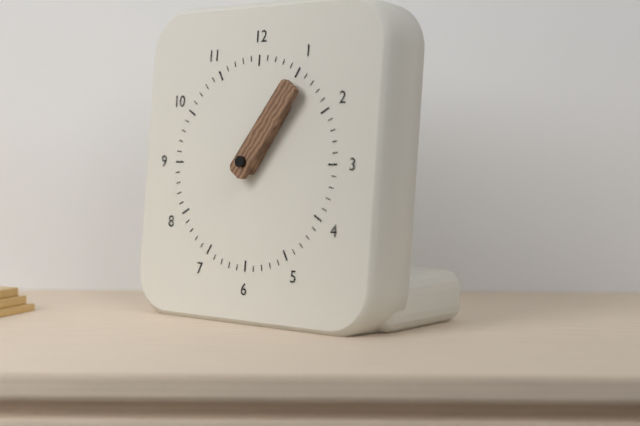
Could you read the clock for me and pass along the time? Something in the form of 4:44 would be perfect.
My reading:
1:06
